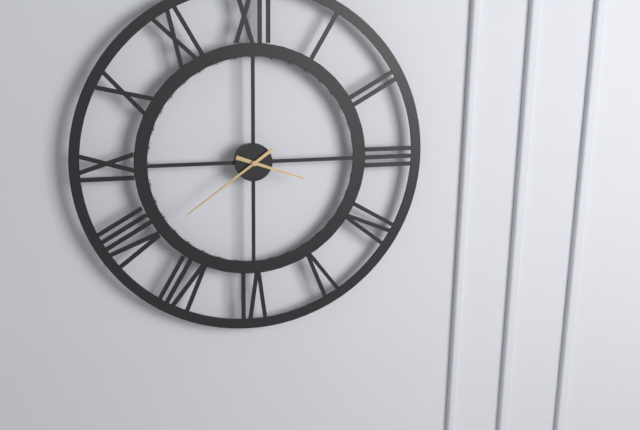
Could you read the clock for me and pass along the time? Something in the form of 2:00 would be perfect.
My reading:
3:39
